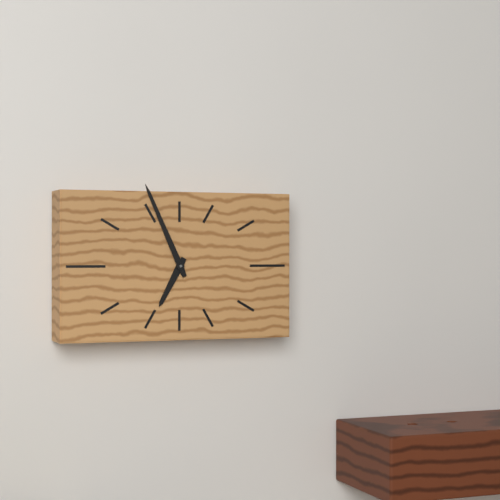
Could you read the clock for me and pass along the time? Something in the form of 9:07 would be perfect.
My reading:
6:56
